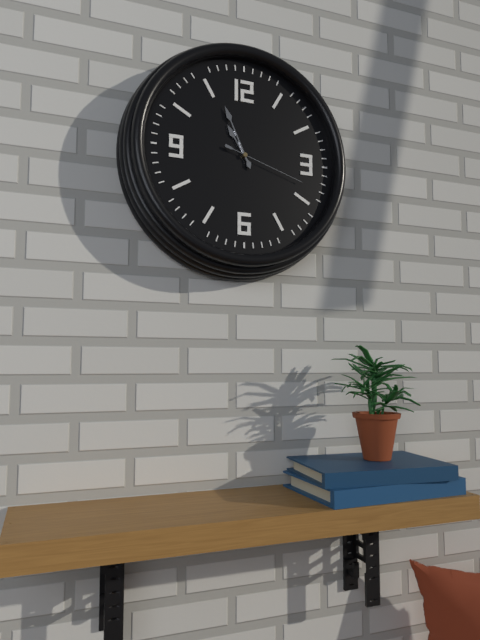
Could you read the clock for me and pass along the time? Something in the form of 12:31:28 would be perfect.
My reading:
10:56:18
